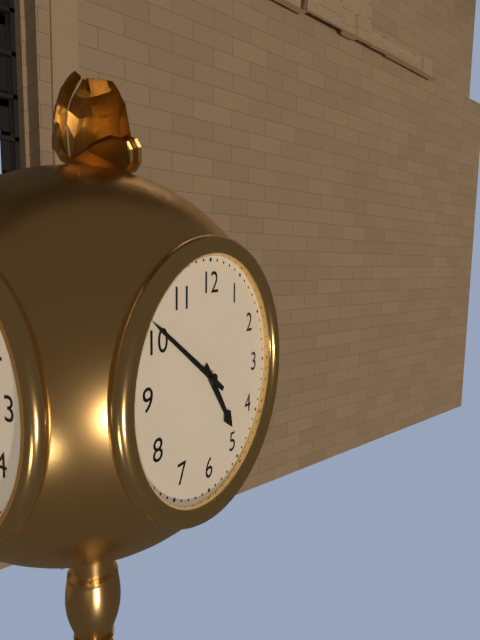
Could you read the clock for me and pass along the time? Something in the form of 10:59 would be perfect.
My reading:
4:51
